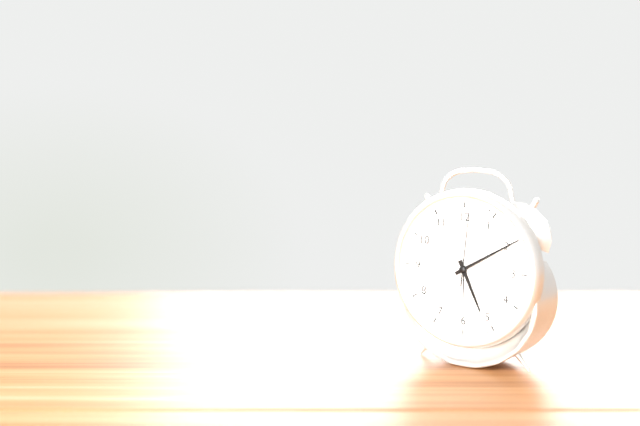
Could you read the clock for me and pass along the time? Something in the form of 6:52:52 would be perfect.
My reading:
5:10:01
